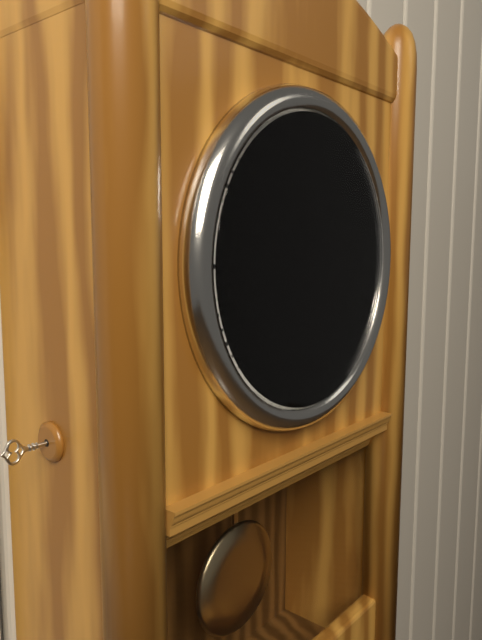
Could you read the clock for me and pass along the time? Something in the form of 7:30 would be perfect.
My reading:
3:28
